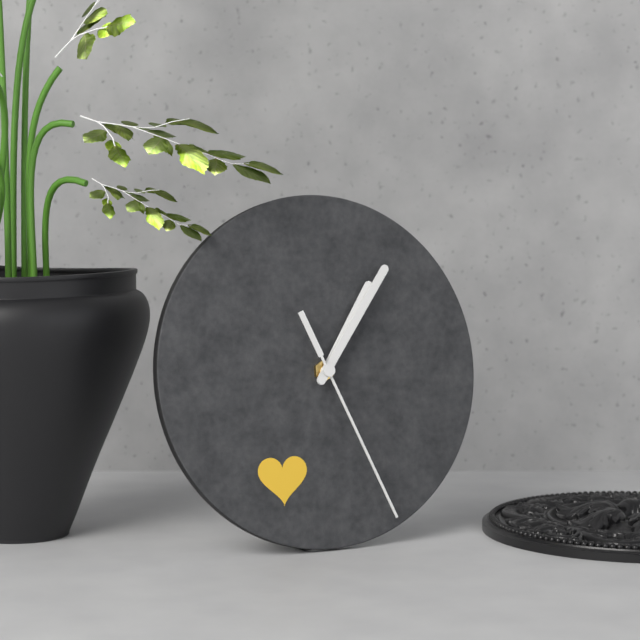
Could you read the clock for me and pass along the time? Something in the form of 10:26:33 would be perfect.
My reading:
1:06:26
